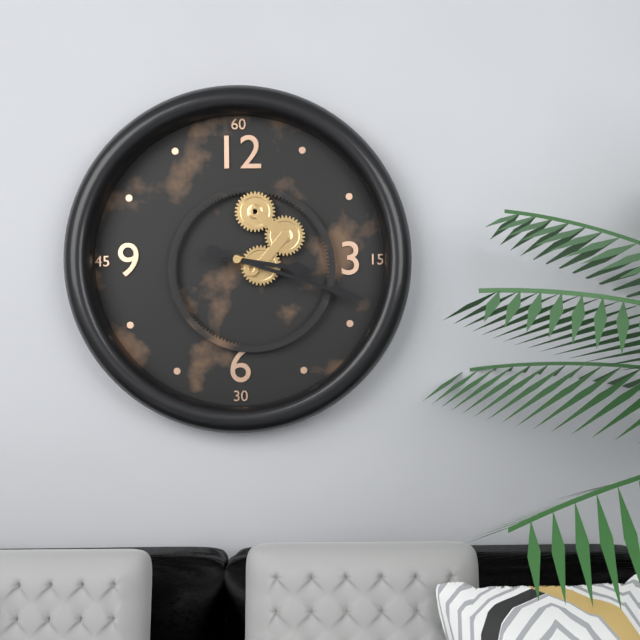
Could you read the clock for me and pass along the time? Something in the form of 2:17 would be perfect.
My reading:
3:18
